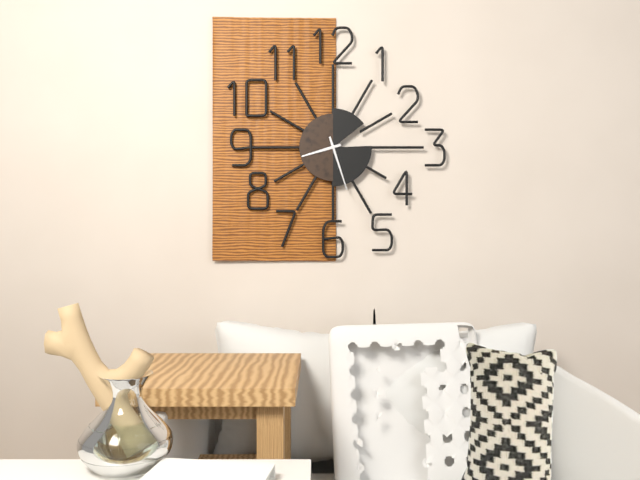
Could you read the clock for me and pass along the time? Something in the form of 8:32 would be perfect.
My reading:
8:27
